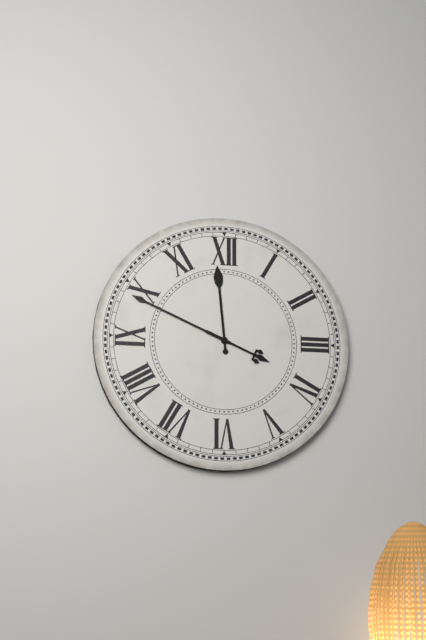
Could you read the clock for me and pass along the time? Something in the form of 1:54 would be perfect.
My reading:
11:49
